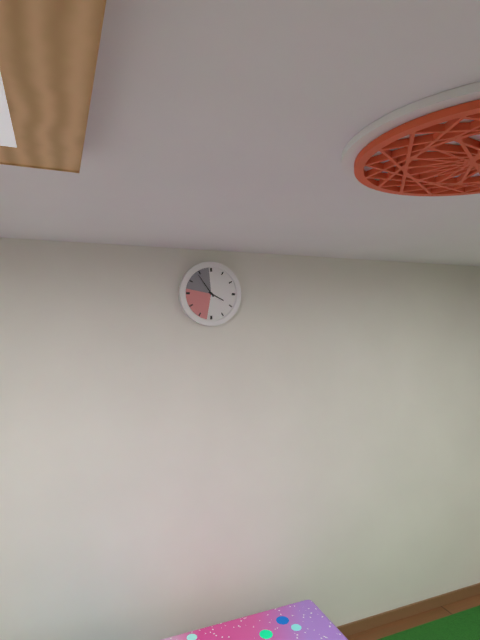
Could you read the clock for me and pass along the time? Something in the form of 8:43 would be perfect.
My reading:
3:54
